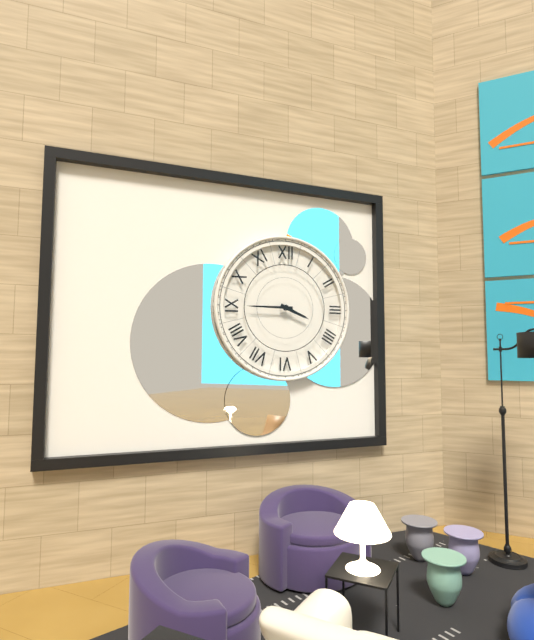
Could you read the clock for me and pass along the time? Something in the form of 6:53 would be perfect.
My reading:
3:45
